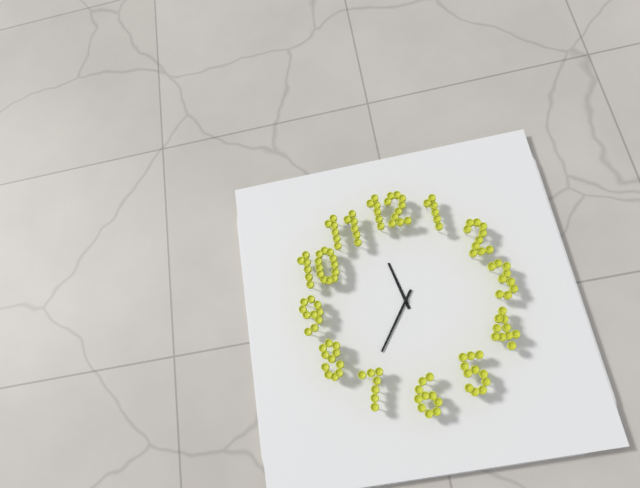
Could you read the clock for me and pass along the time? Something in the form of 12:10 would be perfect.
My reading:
11:36
